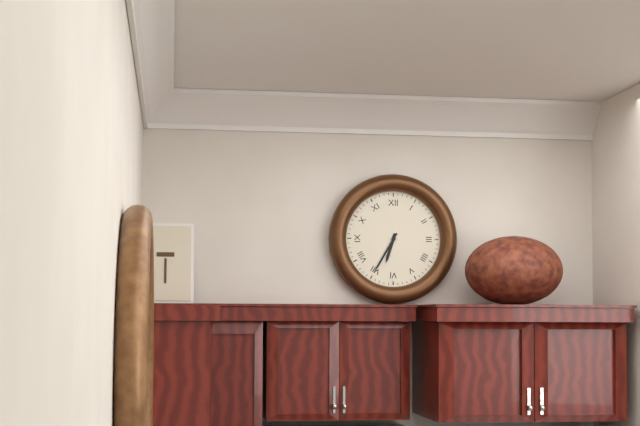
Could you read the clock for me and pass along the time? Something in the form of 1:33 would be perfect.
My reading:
6:35
